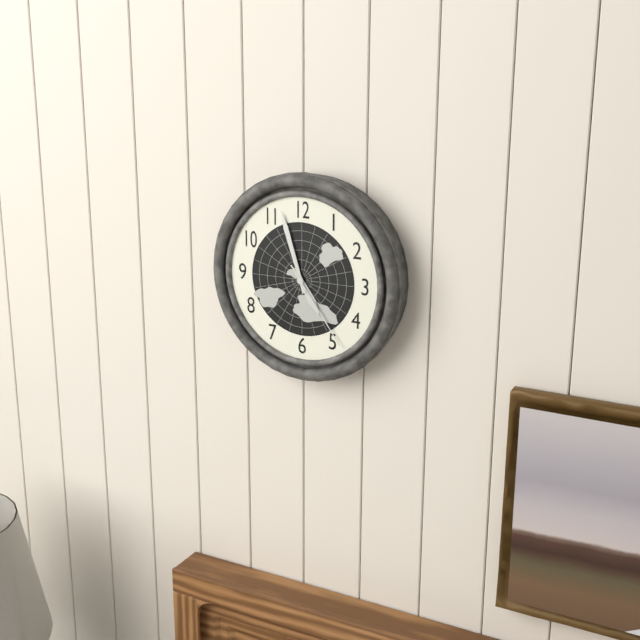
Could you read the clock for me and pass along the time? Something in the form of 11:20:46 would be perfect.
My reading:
4:57:24
